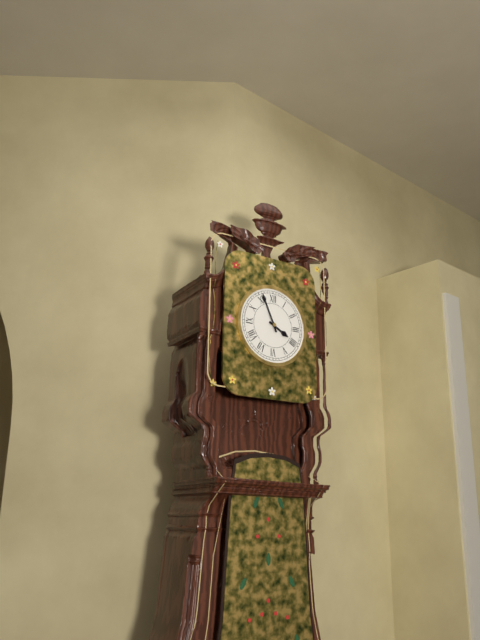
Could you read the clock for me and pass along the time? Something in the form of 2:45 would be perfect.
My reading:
3:56
